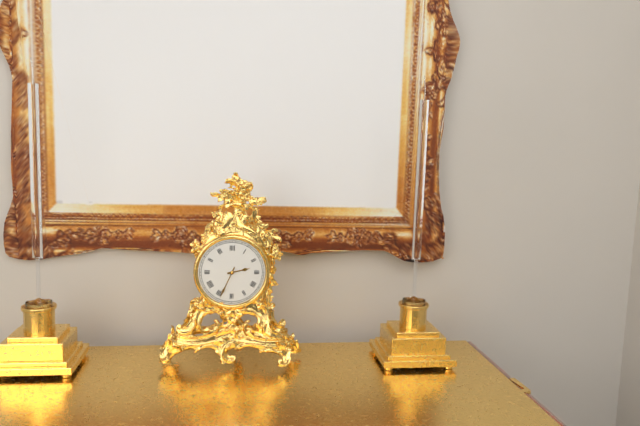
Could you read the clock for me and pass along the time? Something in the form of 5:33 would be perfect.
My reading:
2:34
